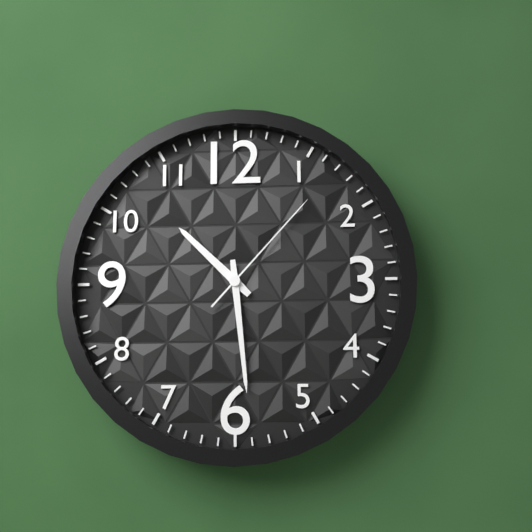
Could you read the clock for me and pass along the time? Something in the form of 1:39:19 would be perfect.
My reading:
10:29:07
